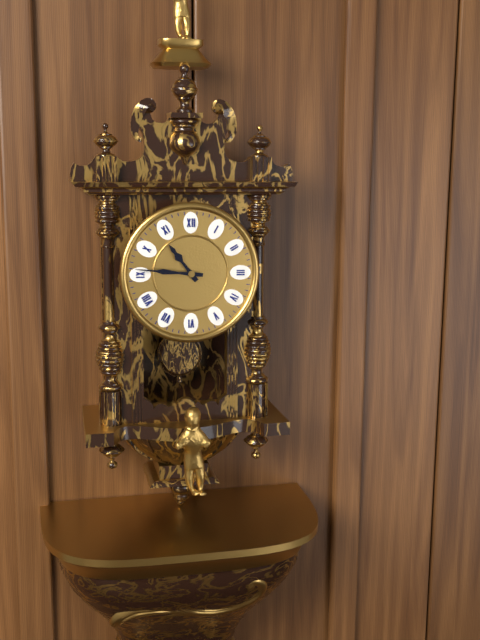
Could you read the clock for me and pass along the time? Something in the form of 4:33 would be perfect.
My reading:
10:46
